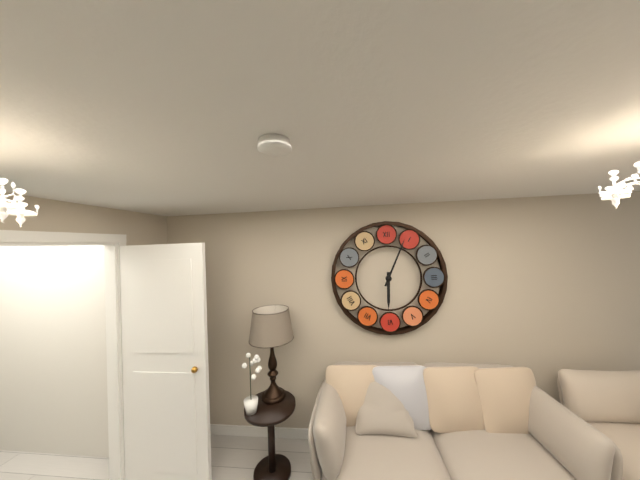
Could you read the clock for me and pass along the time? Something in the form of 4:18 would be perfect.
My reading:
6:04
